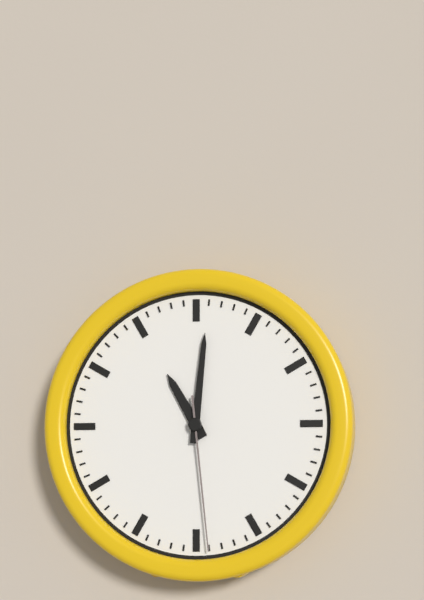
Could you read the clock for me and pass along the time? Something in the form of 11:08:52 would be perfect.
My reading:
11:01:29
